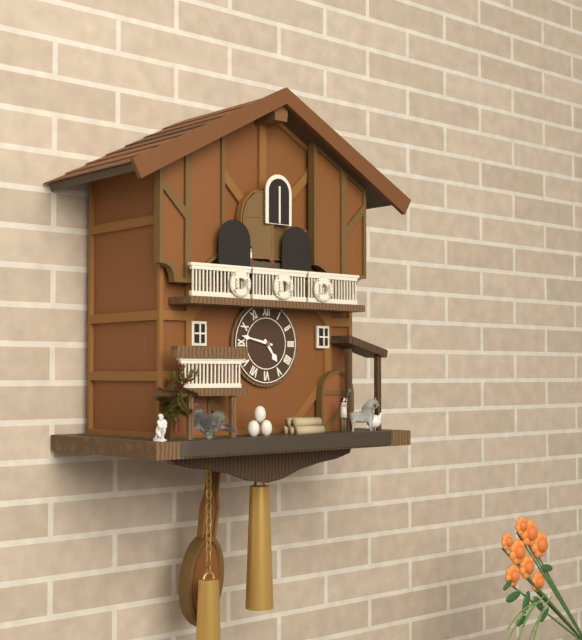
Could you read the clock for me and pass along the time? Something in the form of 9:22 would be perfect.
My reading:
4:47
